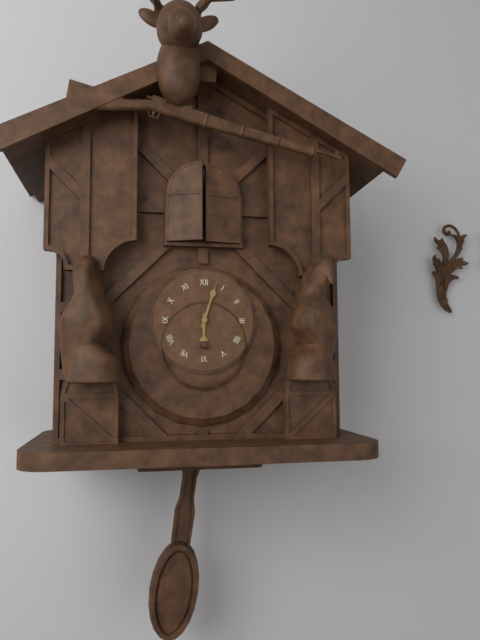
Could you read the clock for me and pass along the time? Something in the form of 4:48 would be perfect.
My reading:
6:03
